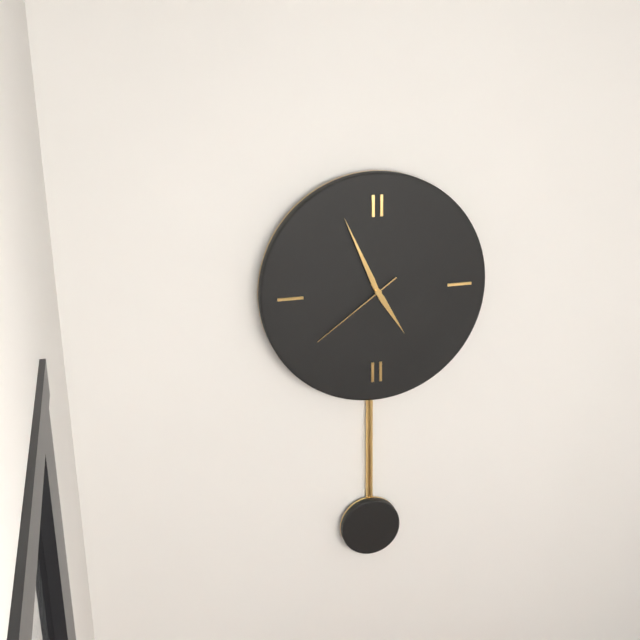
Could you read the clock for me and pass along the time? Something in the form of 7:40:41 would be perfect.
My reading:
4:56:39
